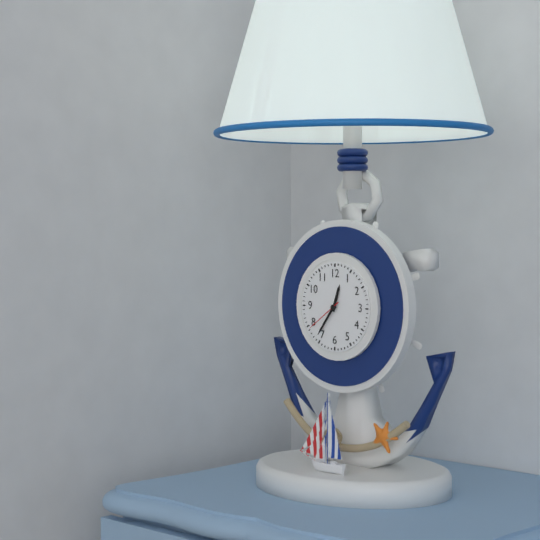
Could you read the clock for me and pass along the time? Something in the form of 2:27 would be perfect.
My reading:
12:36
